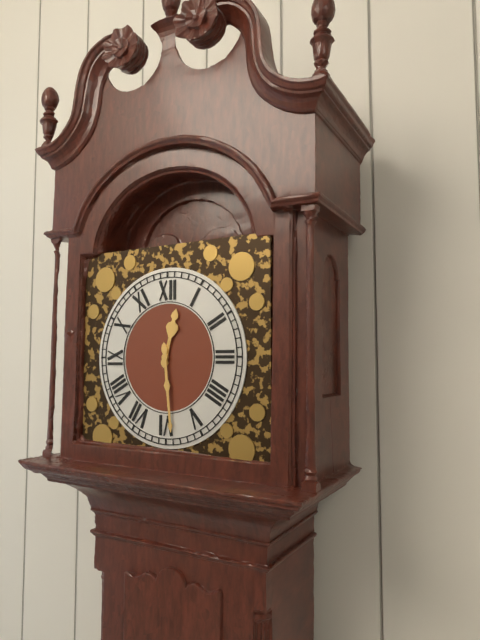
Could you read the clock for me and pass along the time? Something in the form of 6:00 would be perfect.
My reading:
12:29
